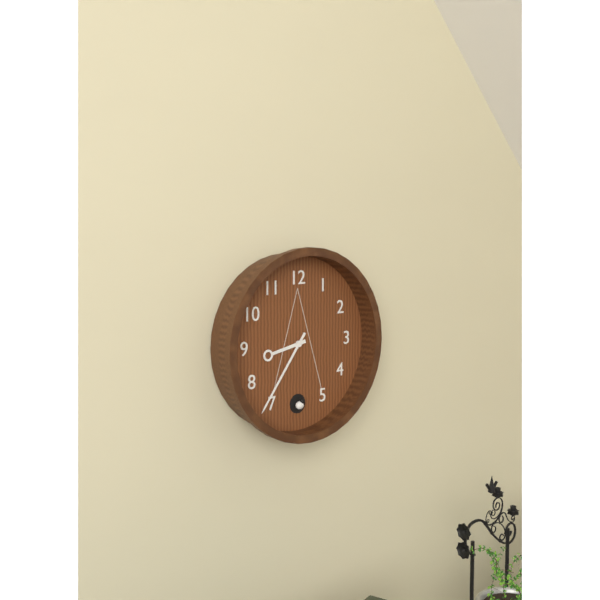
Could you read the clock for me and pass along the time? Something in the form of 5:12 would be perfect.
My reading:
8:36
